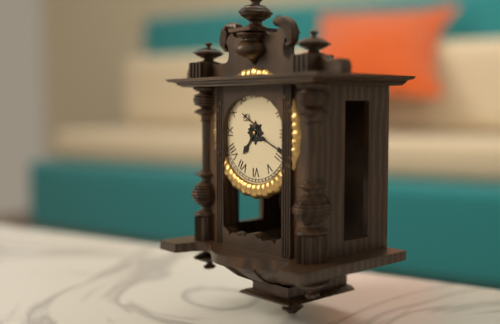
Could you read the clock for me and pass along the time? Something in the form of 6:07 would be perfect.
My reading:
7:19
